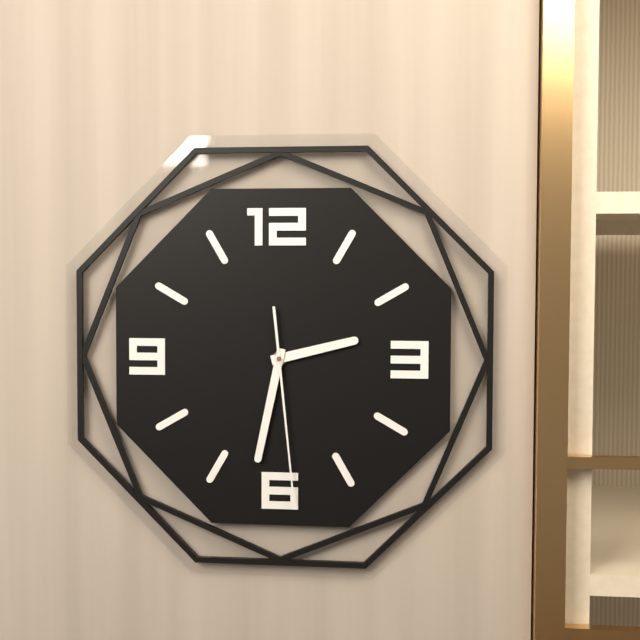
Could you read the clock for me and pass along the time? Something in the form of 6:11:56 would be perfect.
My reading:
2:32:29
